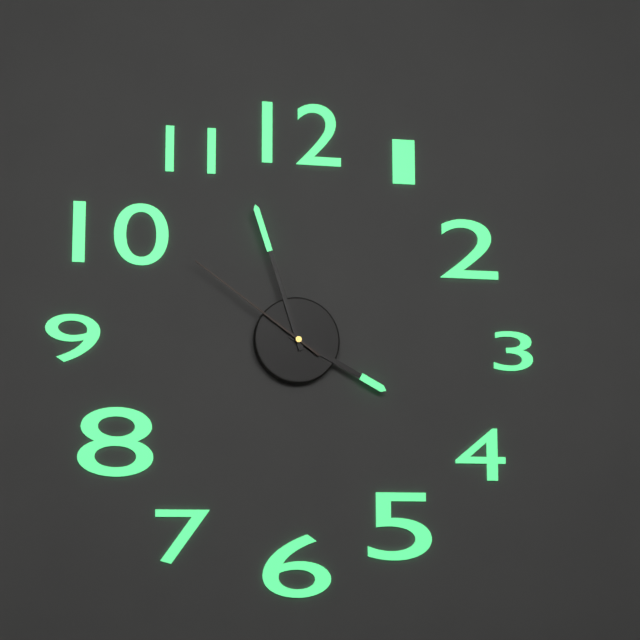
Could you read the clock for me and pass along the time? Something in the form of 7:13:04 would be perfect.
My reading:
3:57:51
